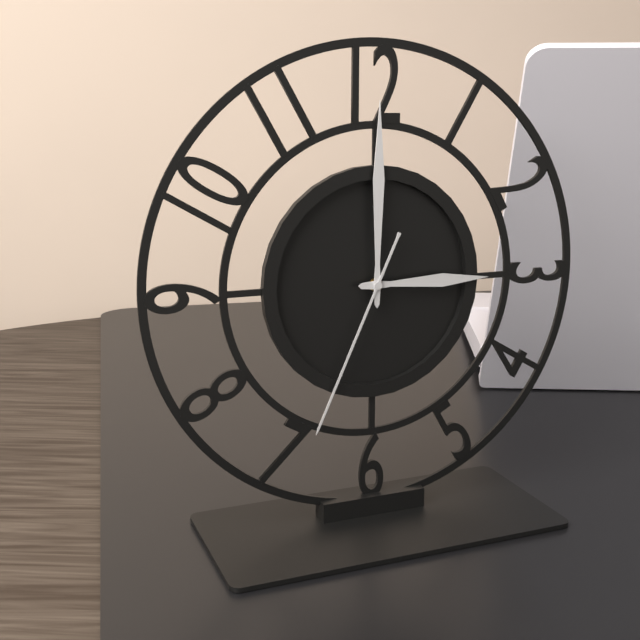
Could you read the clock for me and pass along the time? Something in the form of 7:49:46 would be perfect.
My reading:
3:00:34
